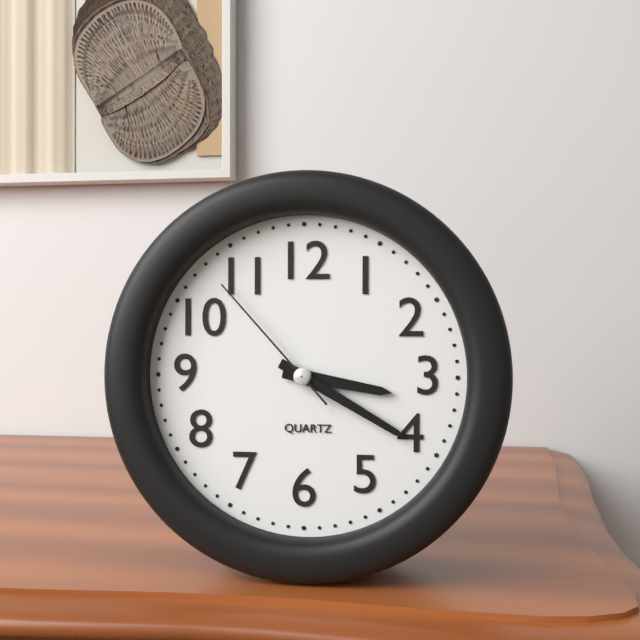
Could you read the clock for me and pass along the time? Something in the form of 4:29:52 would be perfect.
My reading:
3:20:53
